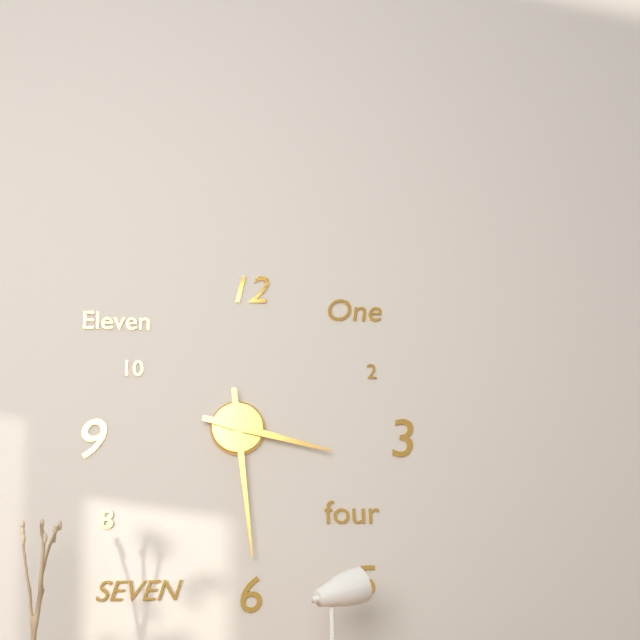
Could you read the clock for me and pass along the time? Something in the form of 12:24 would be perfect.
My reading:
3:29
